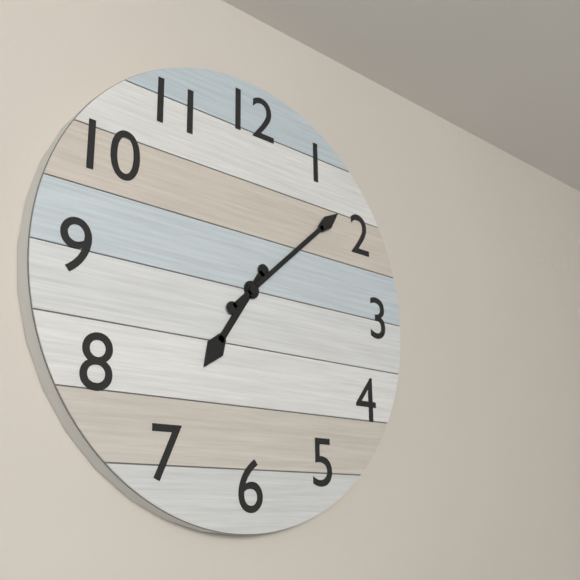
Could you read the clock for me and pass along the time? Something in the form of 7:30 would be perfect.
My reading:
7:08
